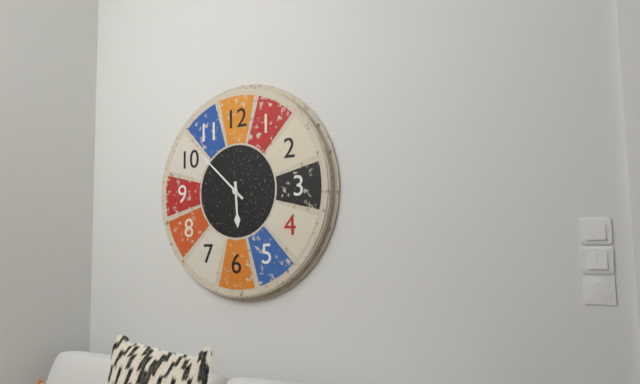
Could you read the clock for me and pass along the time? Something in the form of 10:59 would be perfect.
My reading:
5:52
